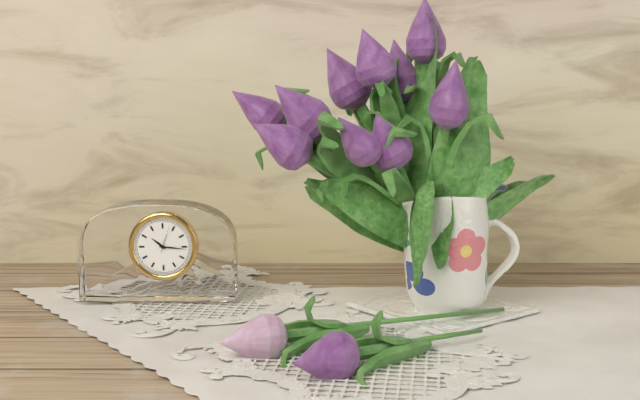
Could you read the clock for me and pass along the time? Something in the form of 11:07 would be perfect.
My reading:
10:16
